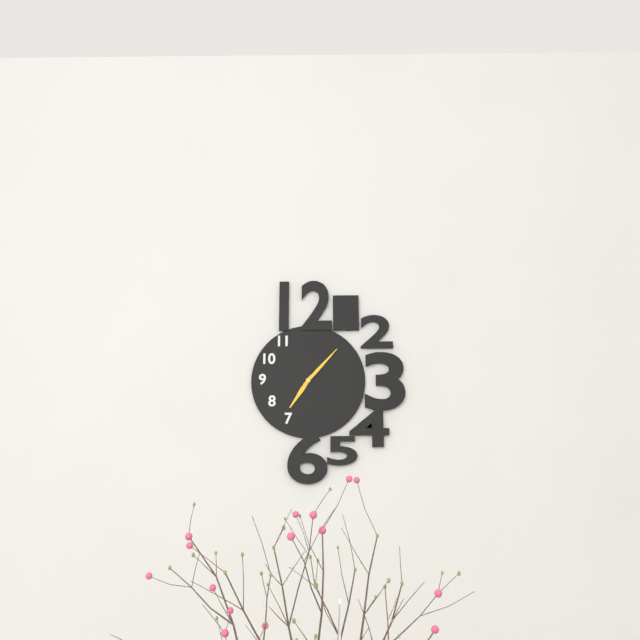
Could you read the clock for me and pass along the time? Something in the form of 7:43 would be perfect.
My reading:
7:07
